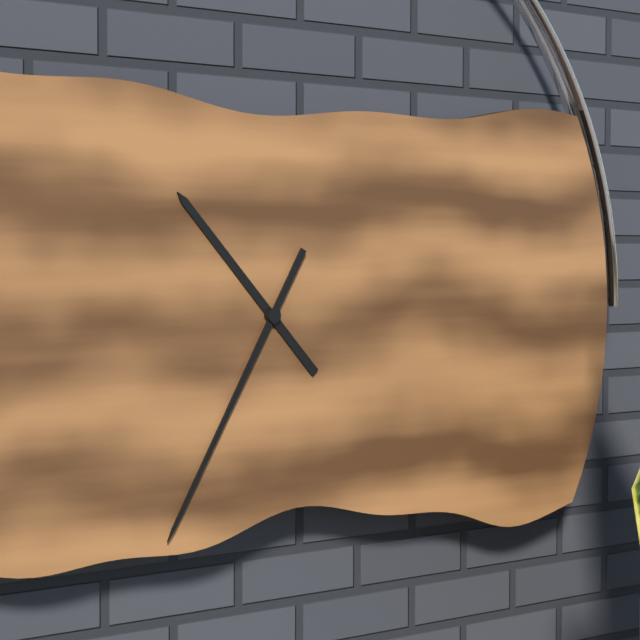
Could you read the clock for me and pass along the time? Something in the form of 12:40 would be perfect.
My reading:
10:35
